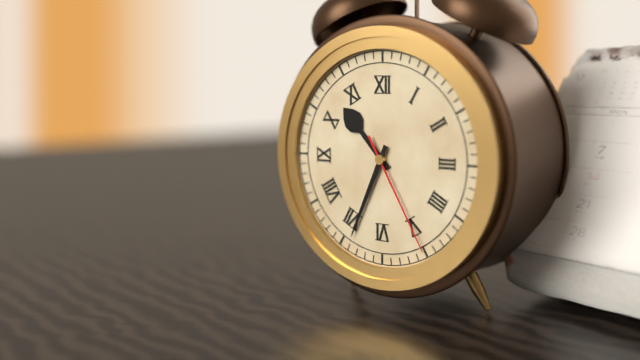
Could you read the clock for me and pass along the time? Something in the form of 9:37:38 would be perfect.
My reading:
10:34:25
